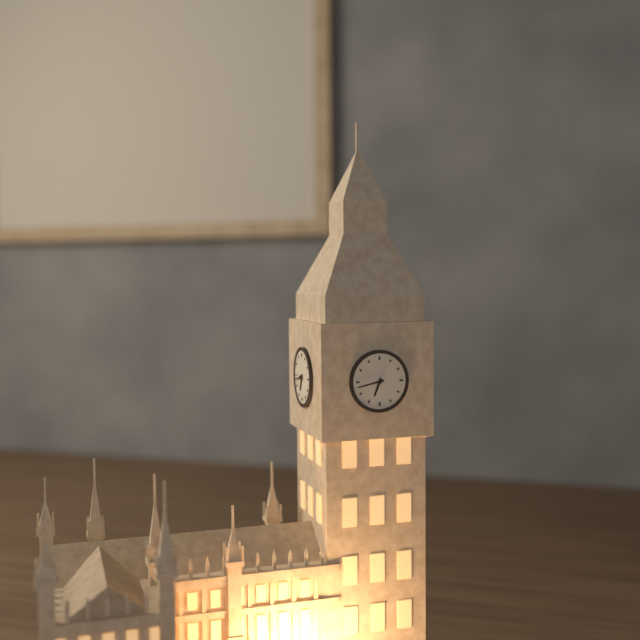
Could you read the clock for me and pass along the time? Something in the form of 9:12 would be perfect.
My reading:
6:43
